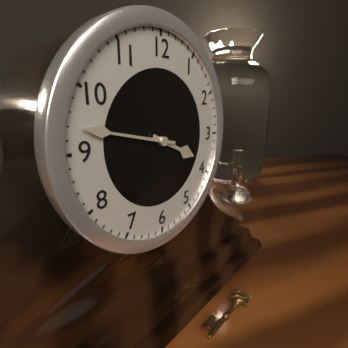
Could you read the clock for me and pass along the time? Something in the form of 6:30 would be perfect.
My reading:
3:47
